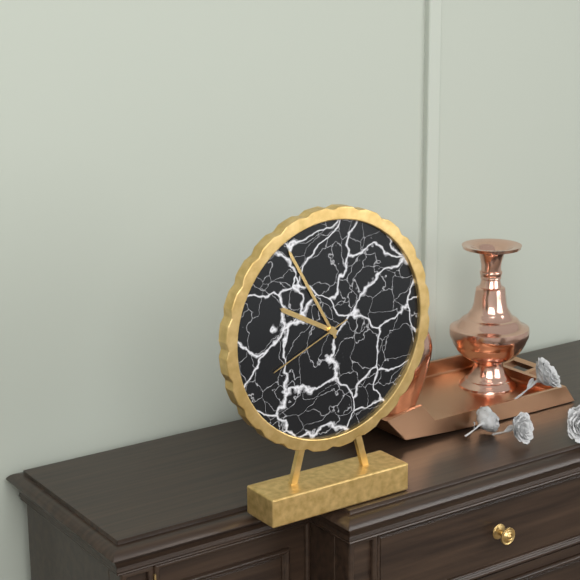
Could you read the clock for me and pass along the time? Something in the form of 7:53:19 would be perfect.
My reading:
9:55:41
